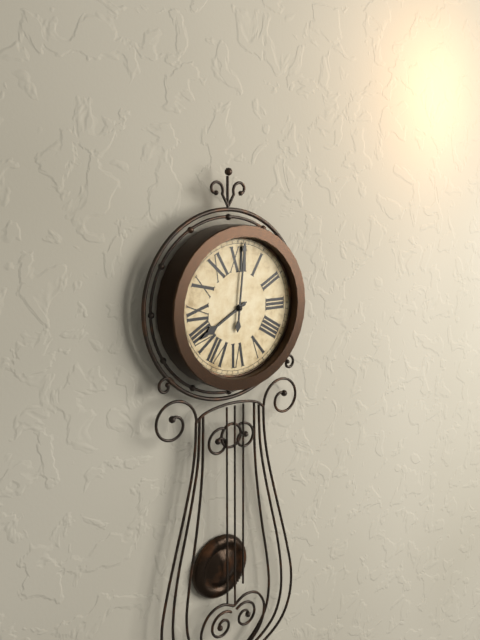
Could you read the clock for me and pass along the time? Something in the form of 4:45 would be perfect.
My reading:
8:01
